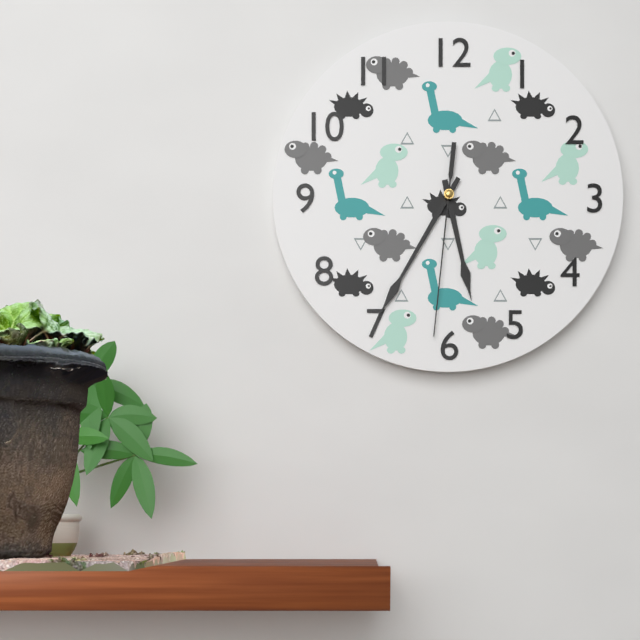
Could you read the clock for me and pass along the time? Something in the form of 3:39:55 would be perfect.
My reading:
5:35:31
